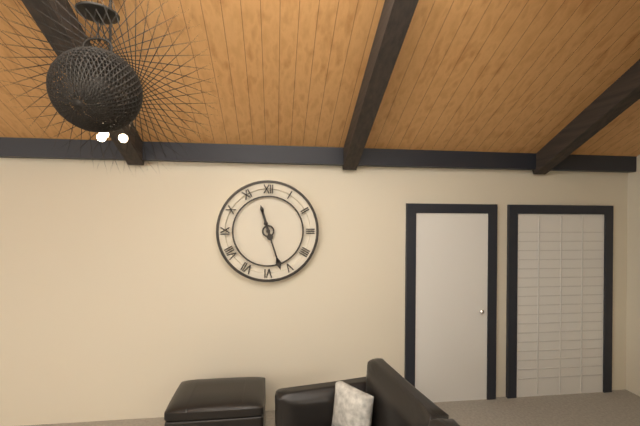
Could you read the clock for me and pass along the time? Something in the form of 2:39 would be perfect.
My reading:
11:27
